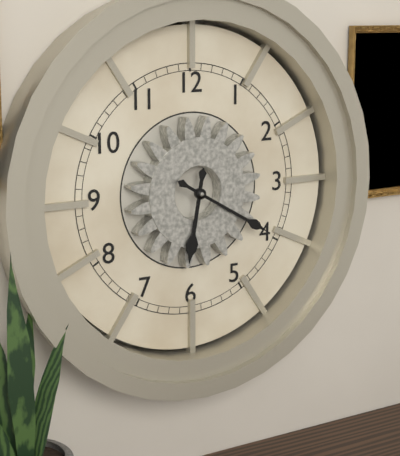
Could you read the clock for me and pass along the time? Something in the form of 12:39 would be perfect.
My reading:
6:20
